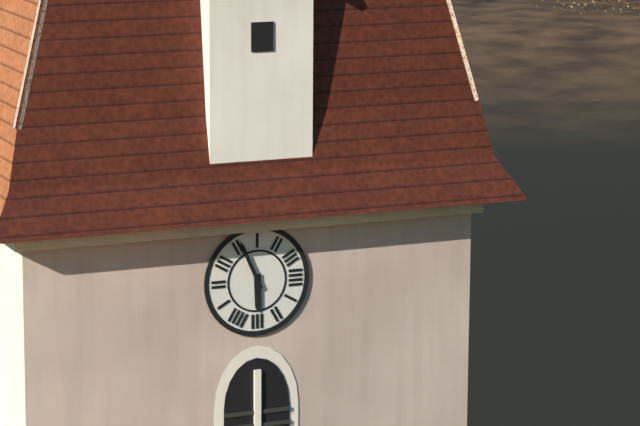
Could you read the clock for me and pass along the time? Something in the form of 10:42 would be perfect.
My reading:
5:56
